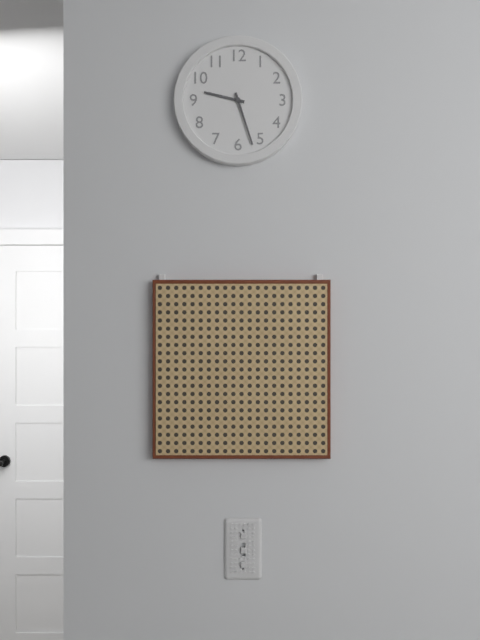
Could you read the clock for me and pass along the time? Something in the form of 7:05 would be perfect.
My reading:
9:27
